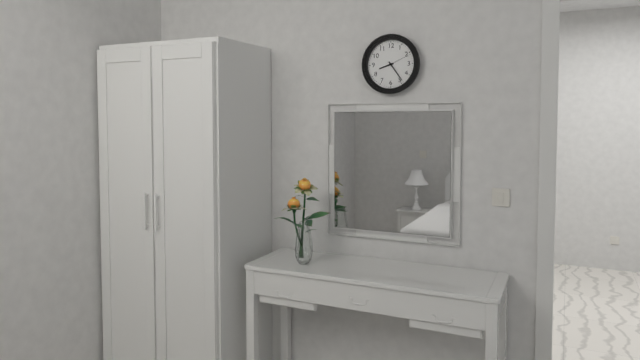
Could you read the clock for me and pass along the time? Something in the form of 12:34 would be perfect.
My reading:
8:24
